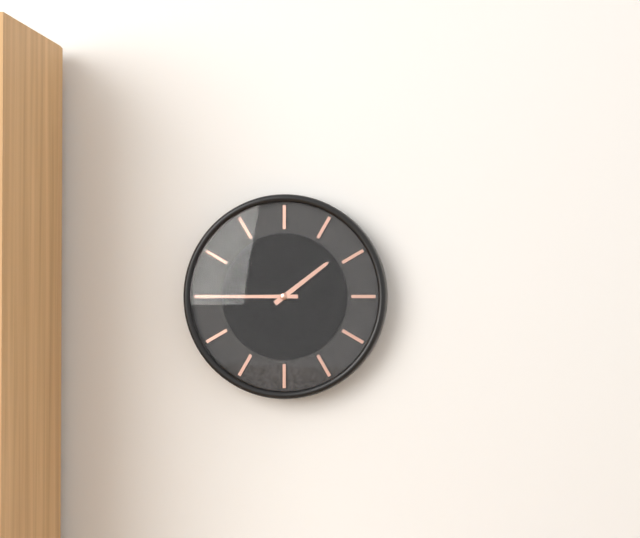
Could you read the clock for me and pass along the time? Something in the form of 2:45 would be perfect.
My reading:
1:45
